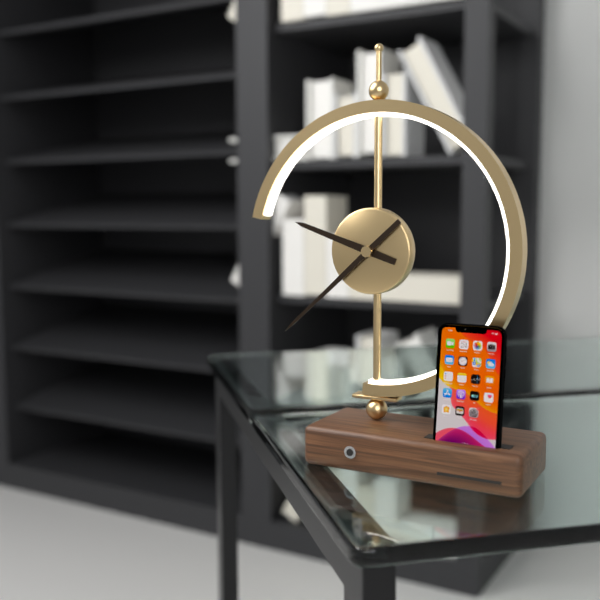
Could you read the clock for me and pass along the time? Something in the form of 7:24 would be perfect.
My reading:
9:38
